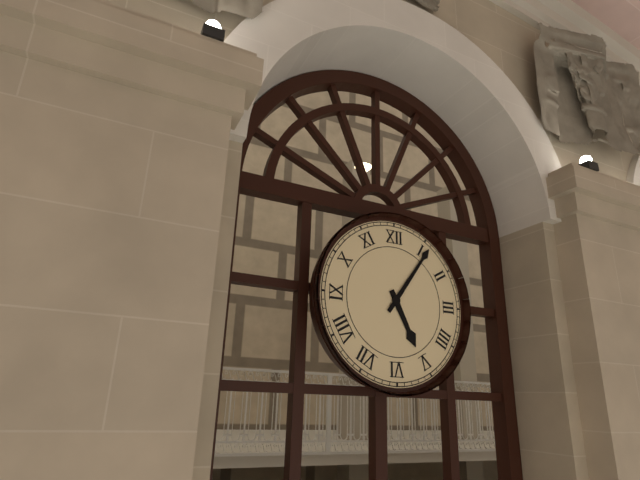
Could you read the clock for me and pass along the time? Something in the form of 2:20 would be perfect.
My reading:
5:06
